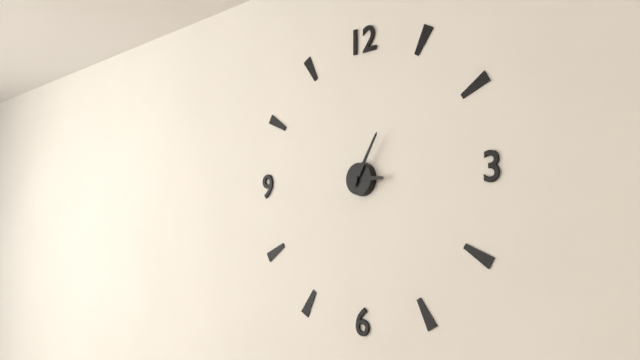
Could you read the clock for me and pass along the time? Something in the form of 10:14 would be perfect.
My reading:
3:05
